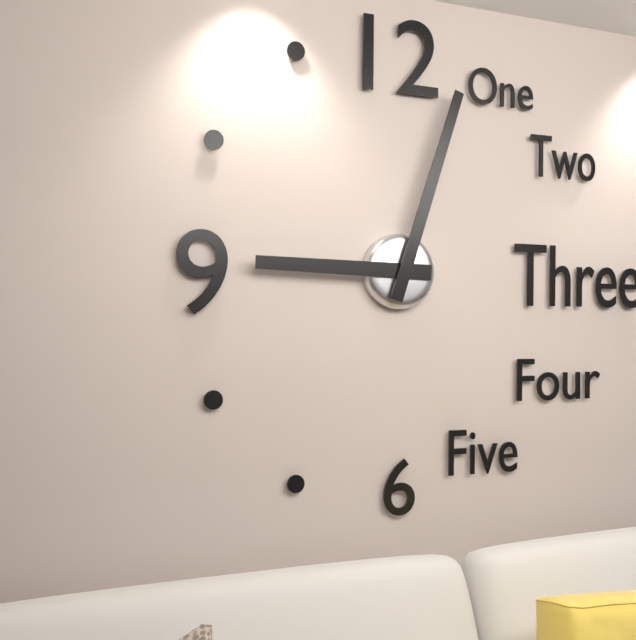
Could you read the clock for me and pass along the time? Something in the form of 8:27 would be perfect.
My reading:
9:03
